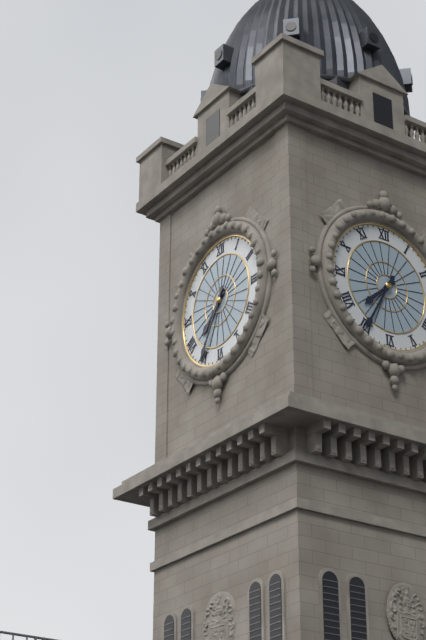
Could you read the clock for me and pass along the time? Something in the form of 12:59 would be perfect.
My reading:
7:35
